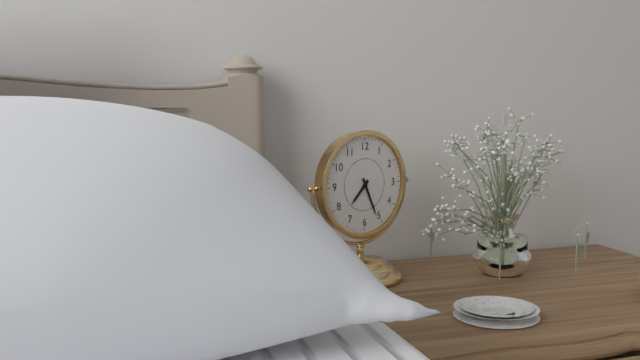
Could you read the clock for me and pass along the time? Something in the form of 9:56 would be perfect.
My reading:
7:26
